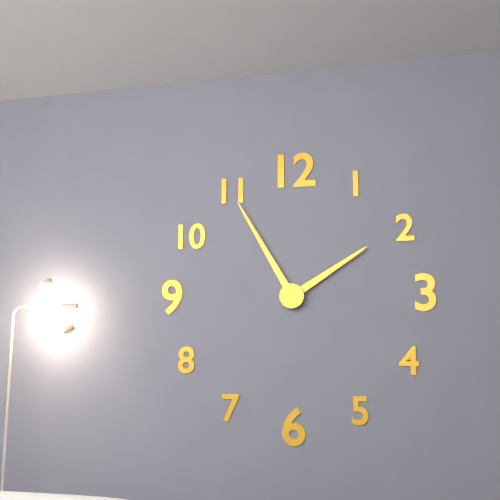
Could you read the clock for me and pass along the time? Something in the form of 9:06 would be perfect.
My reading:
1:55
